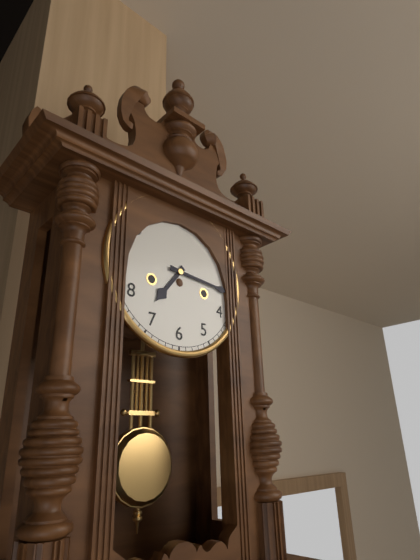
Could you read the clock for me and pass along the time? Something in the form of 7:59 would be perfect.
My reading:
7:16
